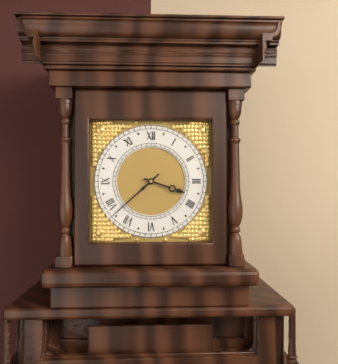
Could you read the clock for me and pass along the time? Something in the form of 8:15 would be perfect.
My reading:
3:38
